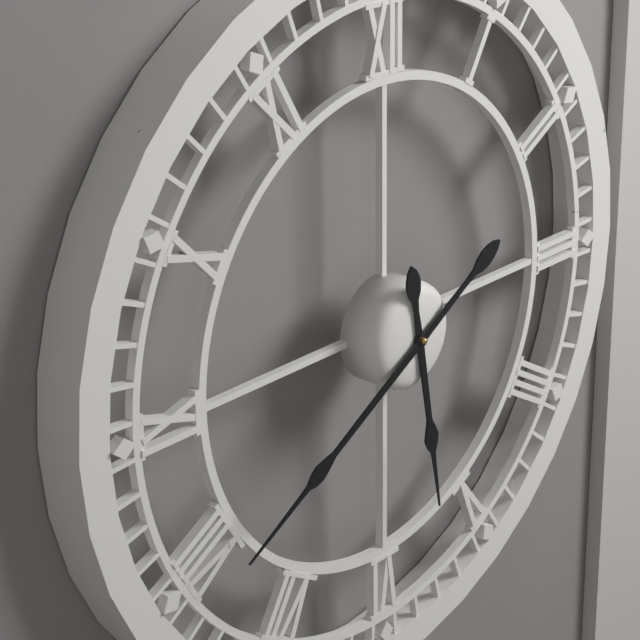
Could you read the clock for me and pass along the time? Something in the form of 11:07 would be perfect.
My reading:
5:40
